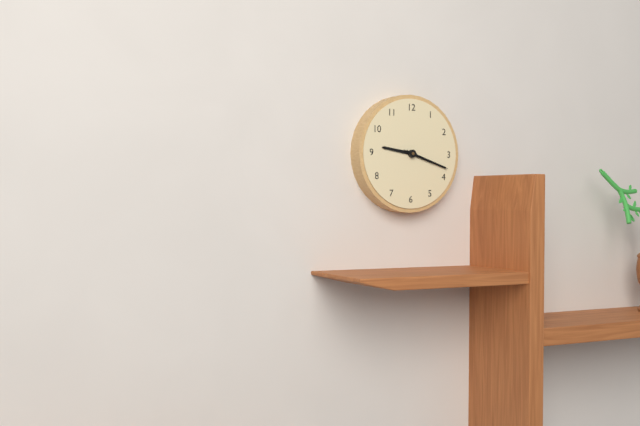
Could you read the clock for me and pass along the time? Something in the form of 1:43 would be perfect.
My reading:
9:18
